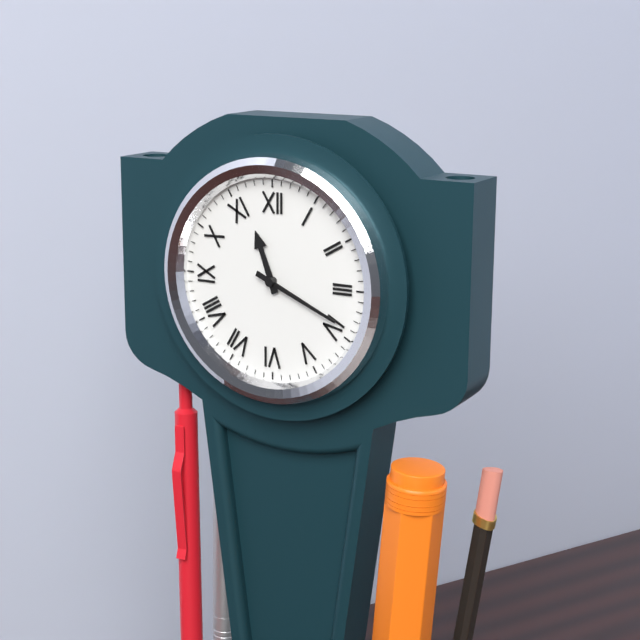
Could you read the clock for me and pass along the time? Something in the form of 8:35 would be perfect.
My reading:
11:19
